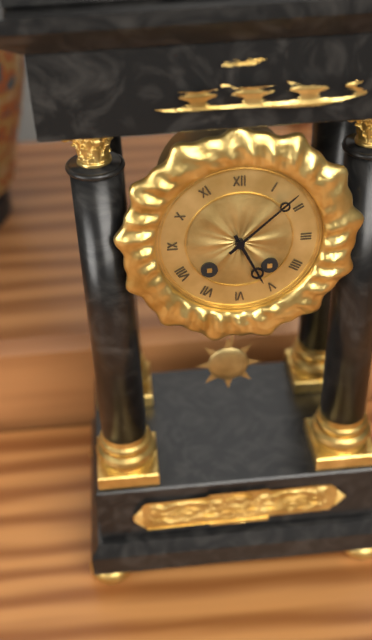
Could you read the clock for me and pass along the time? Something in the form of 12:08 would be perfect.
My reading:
5:08
